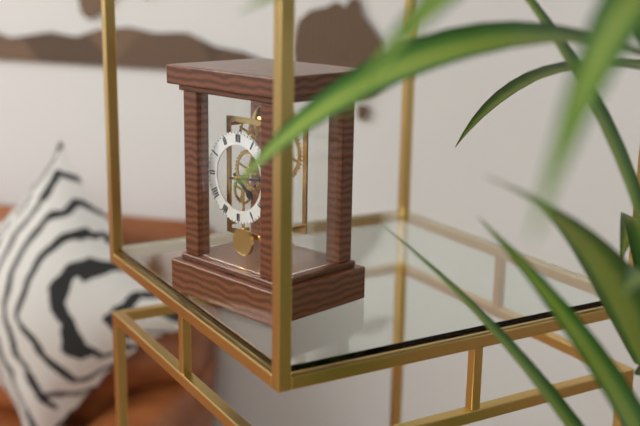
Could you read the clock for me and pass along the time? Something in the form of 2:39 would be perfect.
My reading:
4:14
